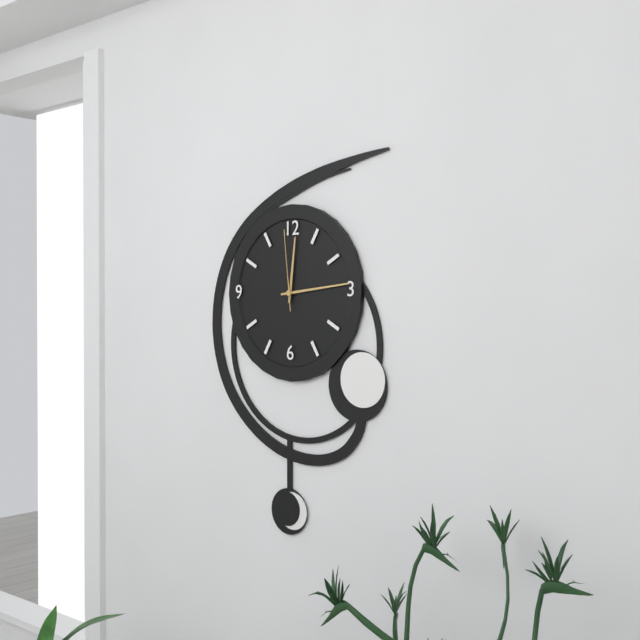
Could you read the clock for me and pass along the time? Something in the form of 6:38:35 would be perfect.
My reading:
12:14:59
